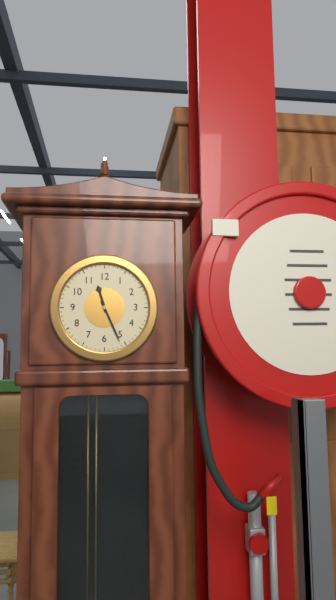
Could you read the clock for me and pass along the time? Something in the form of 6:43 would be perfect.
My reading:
11:26
